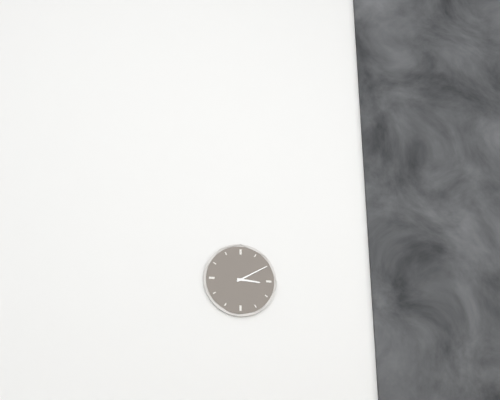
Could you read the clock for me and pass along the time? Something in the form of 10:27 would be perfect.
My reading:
3:10
